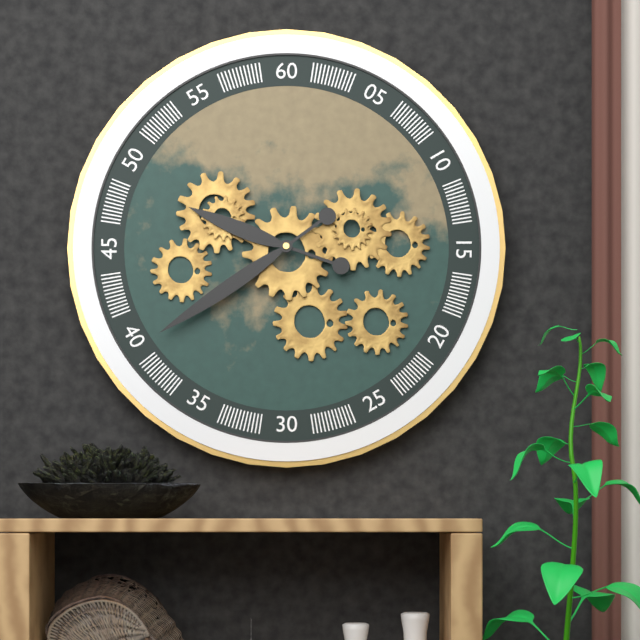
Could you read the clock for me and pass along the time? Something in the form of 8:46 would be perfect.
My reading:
9:39
